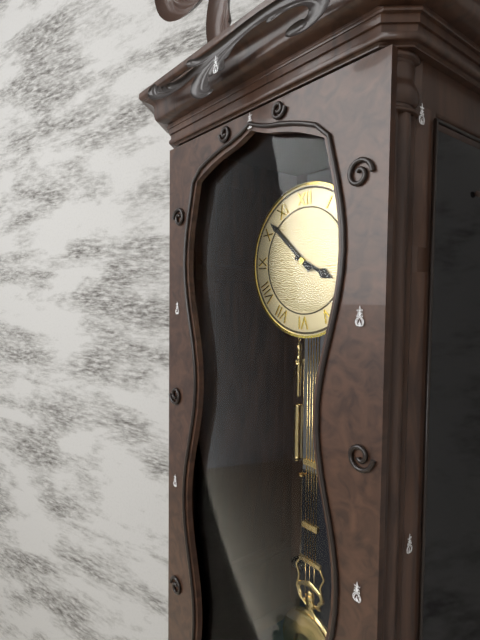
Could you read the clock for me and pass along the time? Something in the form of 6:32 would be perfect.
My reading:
3:52
